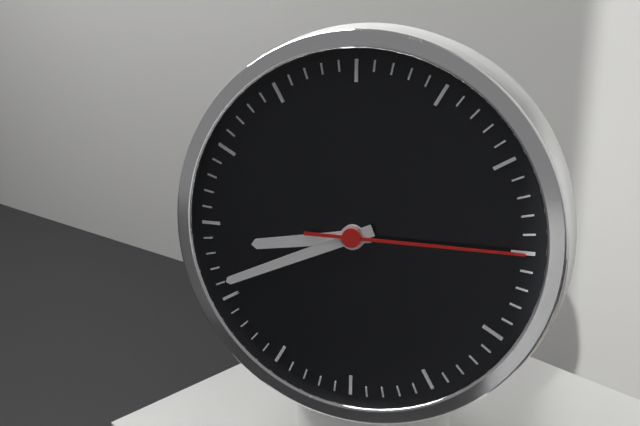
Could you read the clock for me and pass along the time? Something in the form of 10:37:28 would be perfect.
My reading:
8:41:15
